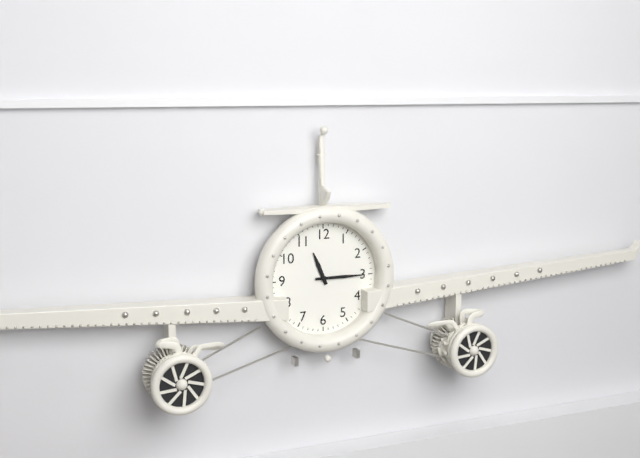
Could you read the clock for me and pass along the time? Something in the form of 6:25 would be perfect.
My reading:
11:15
